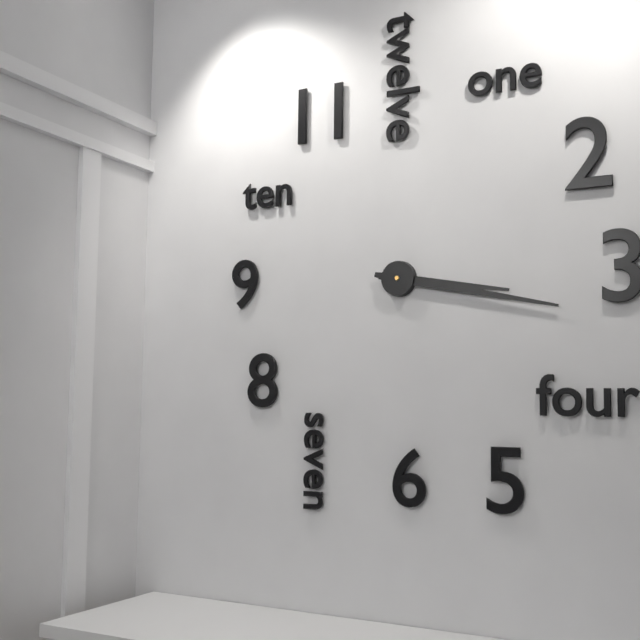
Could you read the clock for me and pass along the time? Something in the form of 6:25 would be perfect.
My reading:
3:17
